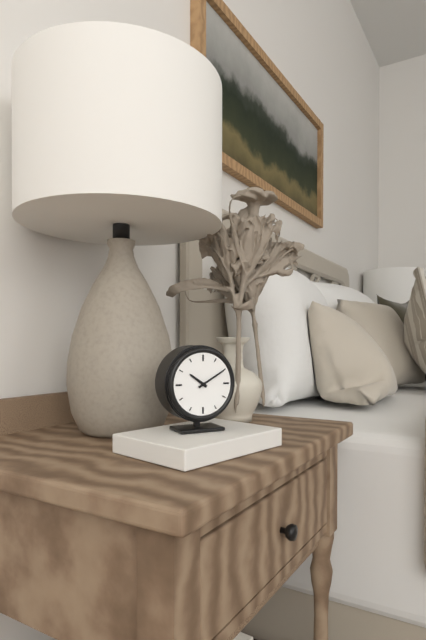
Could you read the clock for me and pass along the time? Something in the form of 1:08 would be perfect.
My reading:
10:10
